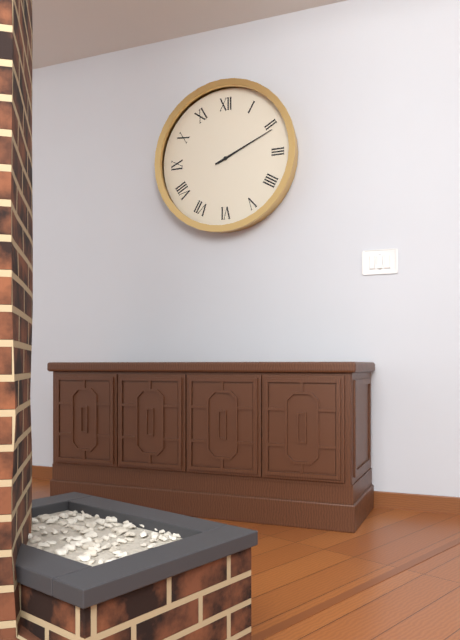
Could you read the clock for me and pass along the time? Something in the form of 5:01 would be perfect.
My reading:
2:11
